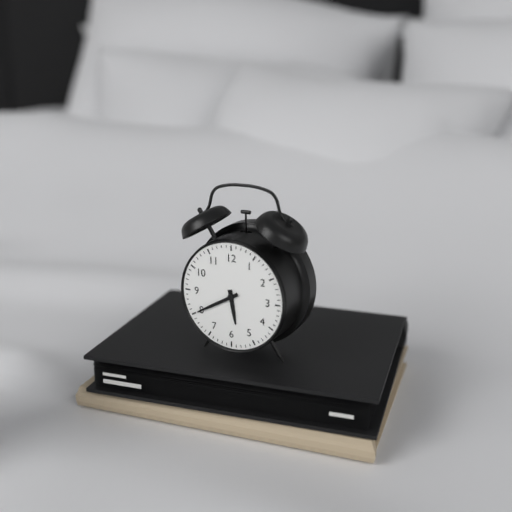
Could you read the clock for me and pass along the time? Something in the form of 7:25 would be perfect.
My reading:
5:40
